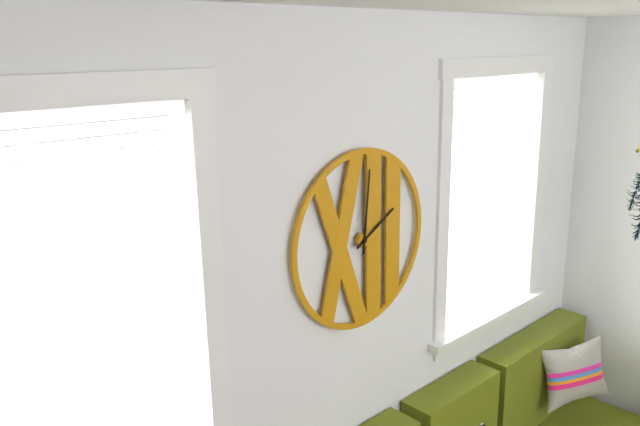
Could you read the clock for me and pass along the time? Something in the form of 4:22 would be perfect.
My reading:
2:01
